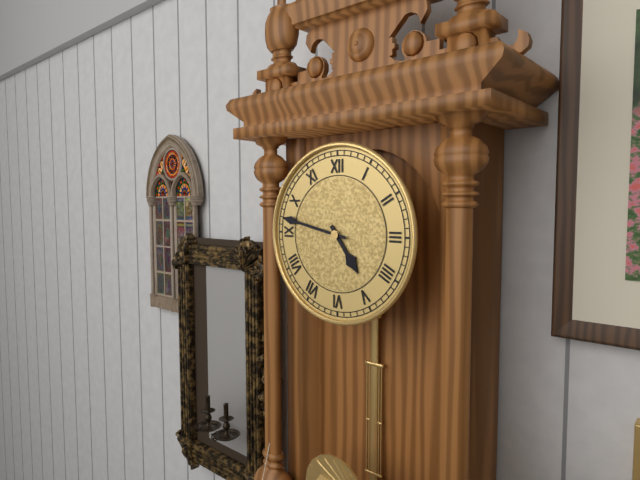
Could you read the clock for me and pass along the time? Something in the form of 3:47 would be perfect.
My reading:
4:47
